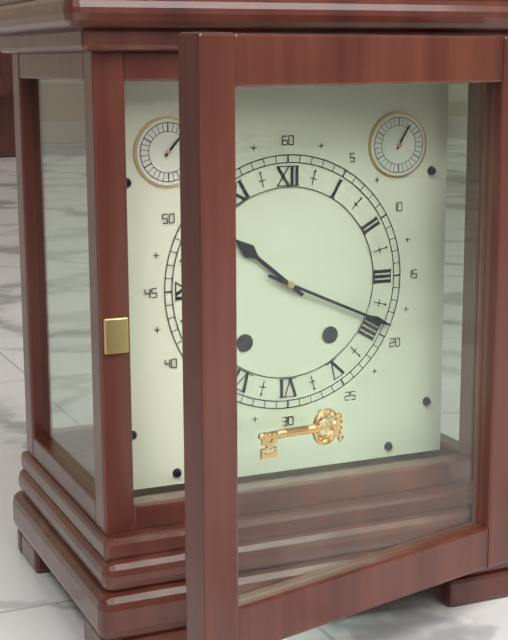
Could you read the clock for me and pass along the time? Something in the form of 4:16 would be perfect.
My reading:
10:19
